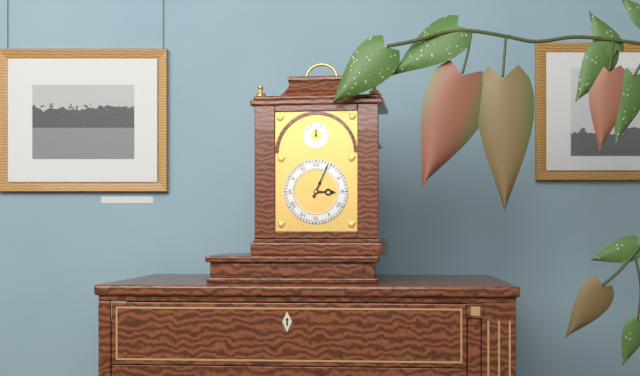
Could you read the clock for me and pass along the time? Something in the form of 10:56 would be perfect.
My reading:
3:04
